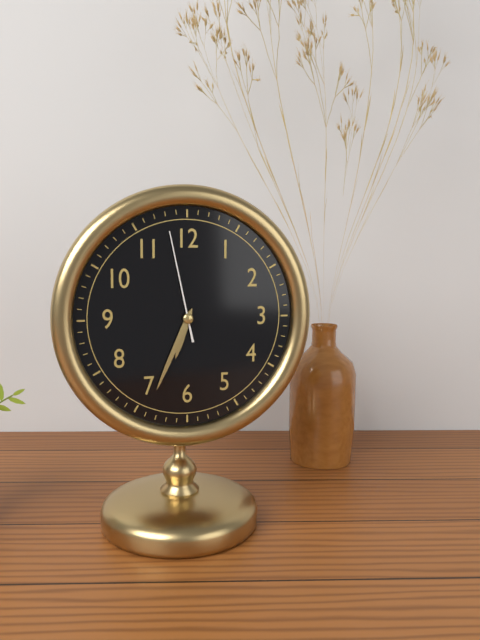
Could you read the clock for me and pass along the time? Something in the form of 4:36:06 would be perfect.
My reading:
6:34:58
